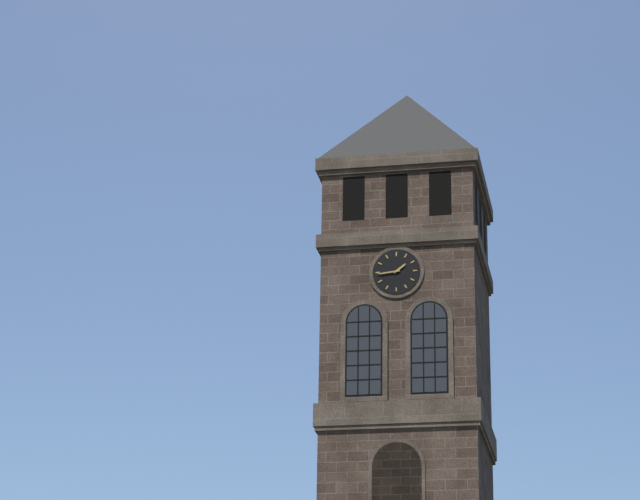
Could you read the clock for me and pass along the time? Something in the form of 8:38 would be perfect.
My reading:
1:44
